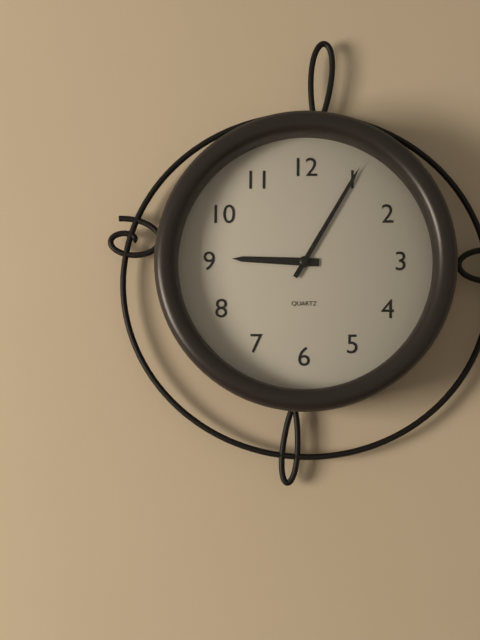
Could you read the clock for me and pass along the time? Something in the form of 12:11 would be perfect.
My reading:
9:05
